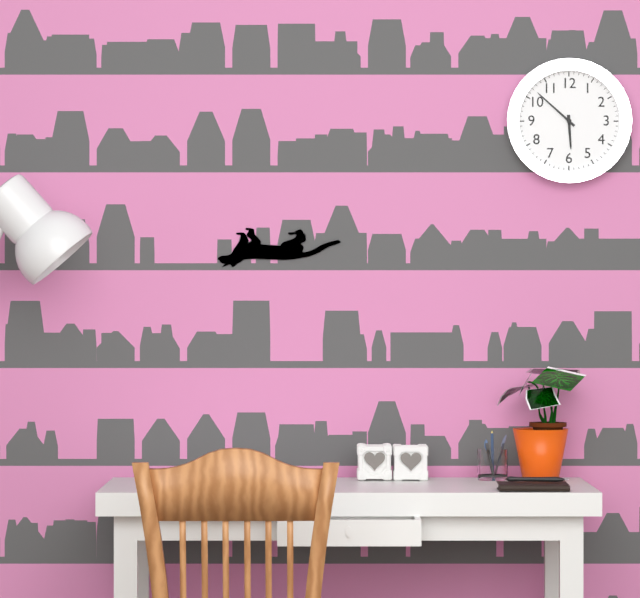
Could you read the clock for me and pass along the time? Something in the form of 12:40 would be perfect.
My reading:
5:52
